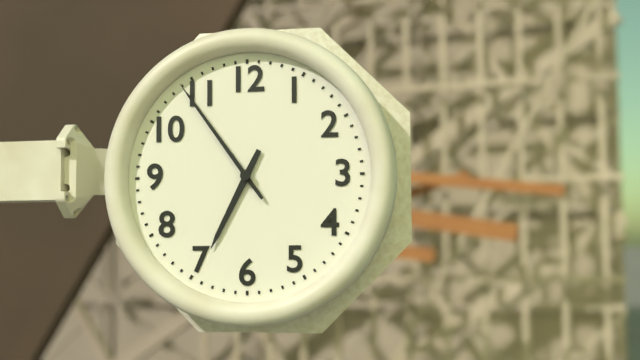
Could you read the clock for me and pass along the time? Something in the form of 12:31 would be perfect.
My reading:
6:54
